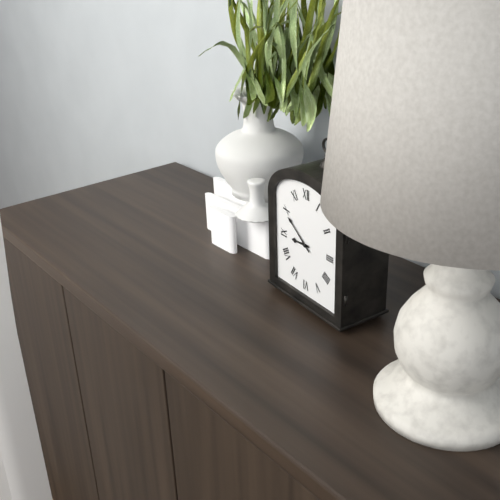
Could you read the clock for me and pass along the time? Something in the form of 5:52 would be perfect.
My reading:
8:51
